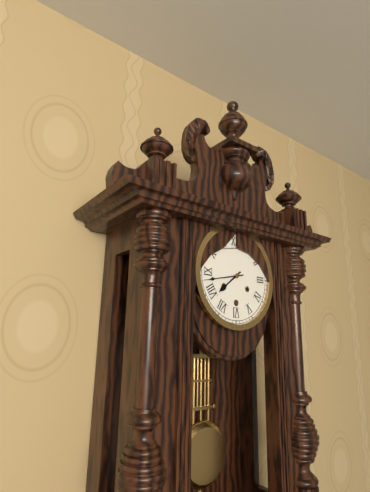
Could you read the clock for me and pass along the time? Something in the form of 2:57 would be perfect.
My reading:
7:43
